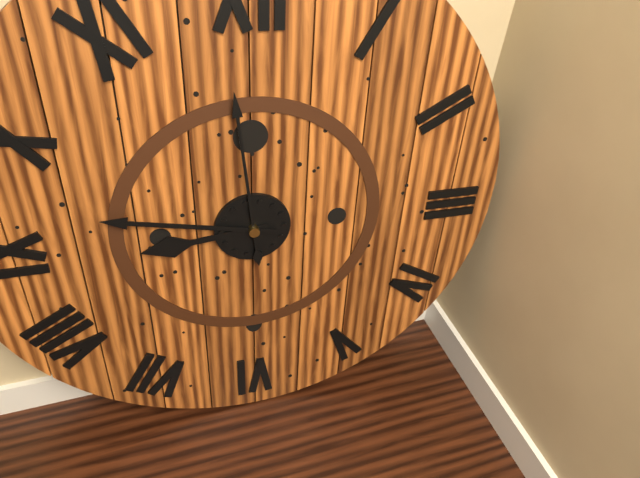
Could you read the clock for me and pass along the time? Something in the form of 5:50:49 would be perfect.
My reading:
8:47:59
